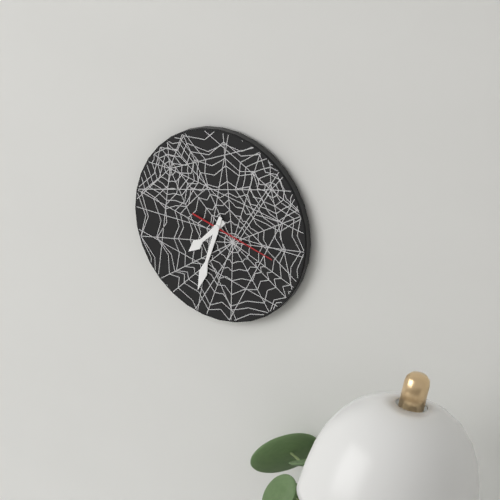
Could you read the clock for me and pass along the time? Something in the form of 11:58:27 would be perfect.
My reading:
7:33:18
